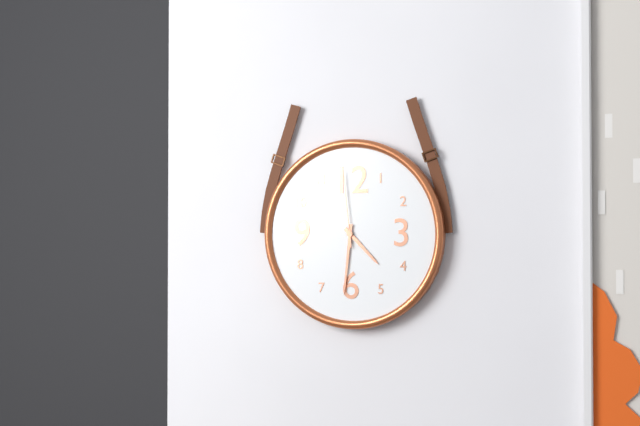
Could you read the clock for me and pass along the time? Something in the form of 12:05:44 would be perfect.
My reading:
4:31:59
